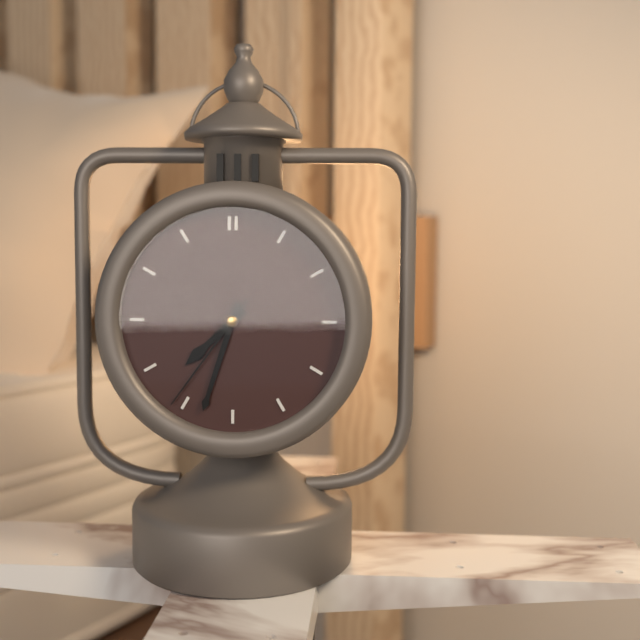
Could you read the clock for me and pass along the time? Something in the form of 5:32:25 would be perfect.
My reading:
7:33:36
